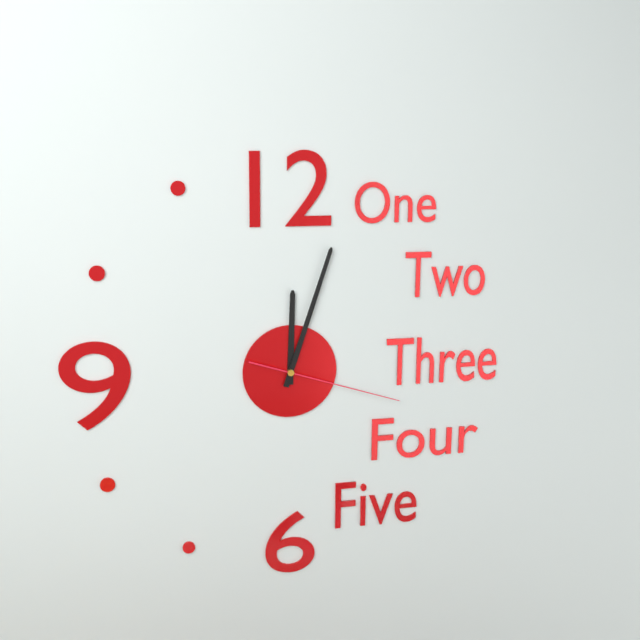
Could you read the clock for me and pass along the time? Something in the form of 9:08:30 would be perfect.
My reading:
12:03:18
